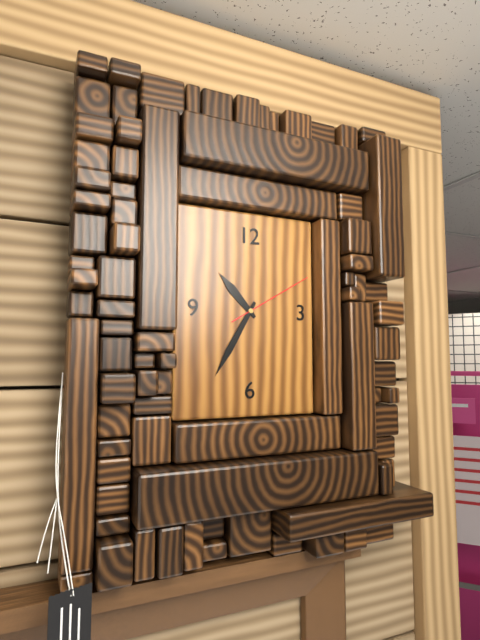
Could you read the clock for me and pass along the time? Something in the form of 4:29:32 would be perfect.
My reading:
10:35:10
